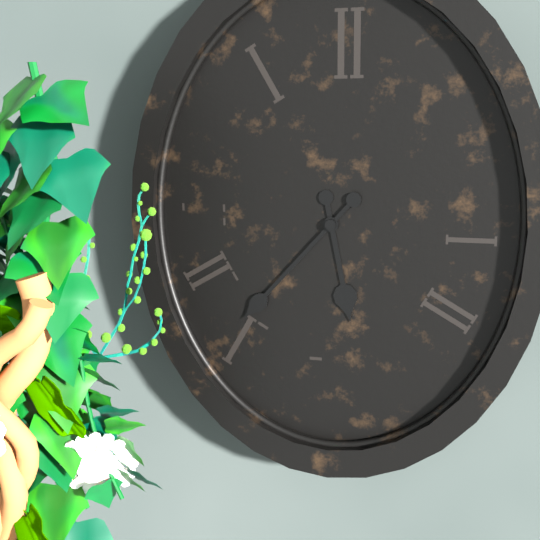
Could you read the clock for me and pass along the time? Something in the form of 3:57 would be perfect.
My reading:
5:37
